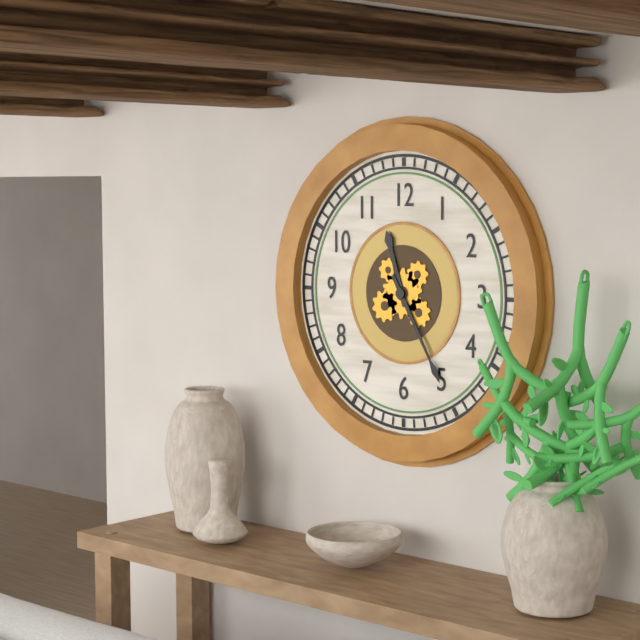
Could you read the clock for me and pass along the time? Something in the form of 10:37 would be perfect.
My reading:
11:25
